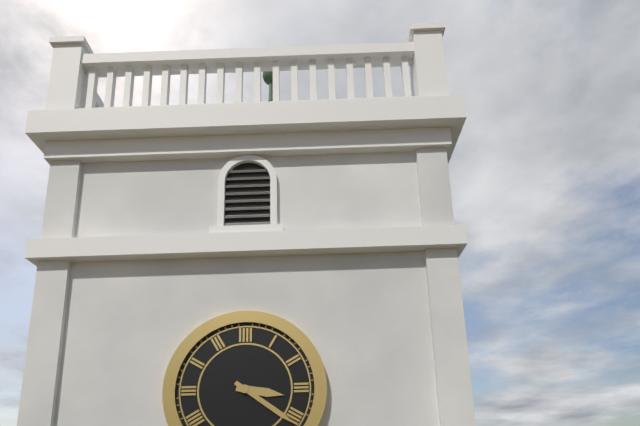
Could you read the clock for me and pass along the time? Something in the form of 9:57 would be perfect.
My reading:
3:21
